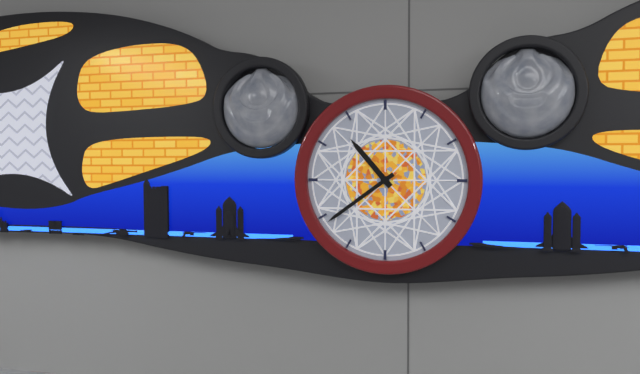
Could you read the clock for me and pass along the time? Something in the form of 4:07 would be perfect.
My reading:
10:39
